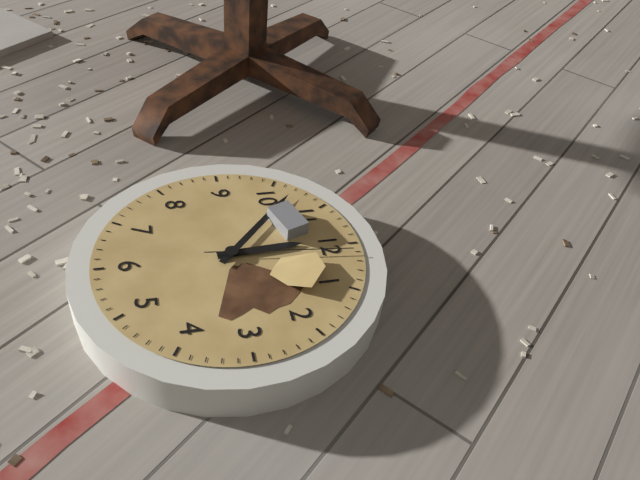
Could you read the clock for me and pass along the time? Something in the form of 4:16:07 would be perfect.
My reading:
11:52:01
